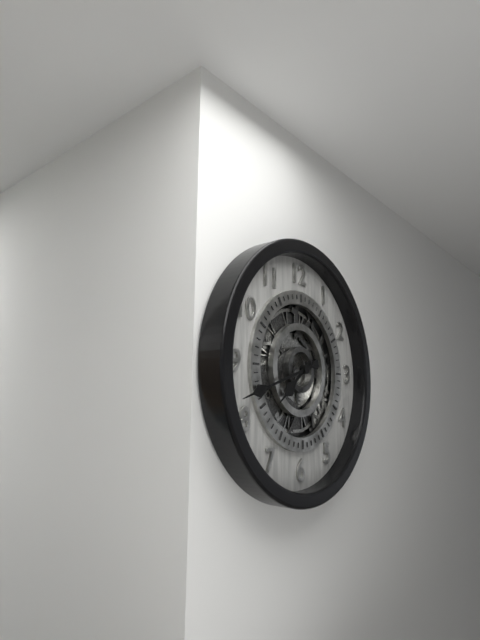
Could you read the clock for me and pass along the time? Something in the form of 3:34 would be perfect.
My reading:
7:42
